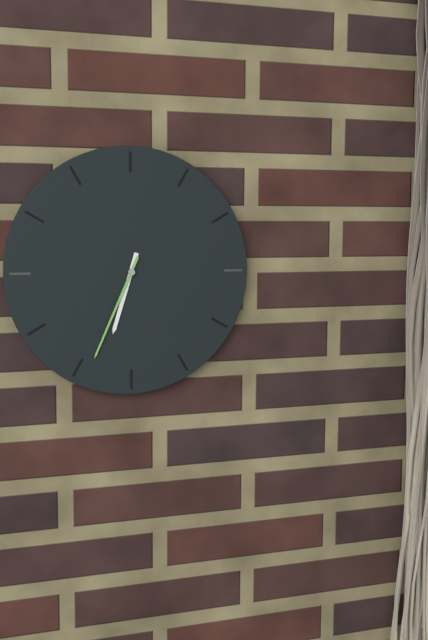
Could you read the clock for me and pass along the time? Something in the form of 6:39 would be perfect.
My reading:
6:34
